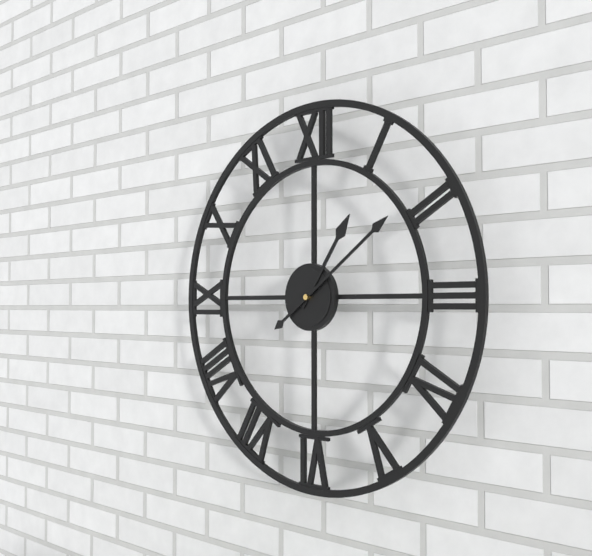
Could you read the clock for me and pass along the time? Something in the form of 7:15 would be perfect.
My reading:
1:09
